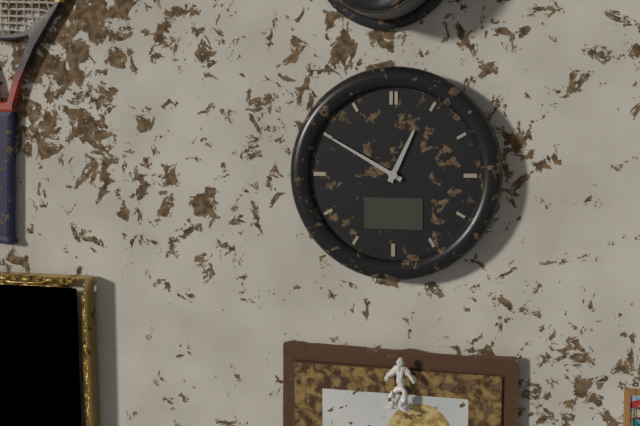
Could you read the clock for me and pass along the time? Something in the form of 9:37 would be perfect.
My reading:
12:50
